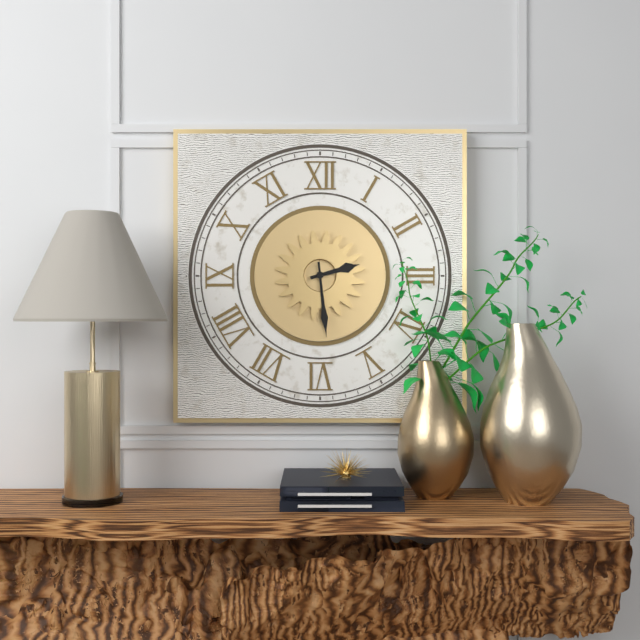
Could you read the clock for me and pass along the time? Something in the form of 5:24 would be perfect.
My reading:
2:29
